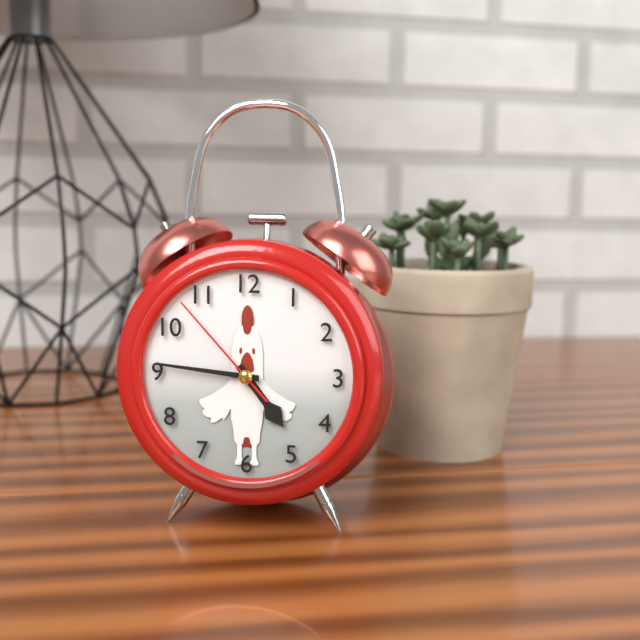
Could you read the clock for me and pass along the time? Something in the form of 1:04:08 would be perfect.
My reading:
4:46:53
